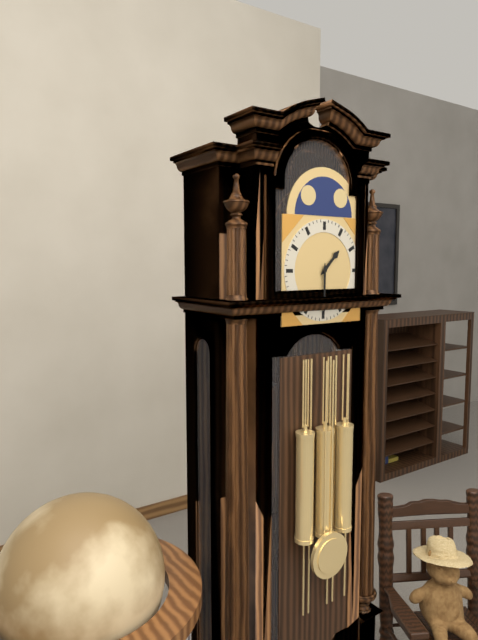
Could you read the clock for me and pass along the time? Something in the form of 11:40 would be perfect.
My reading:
1:30
